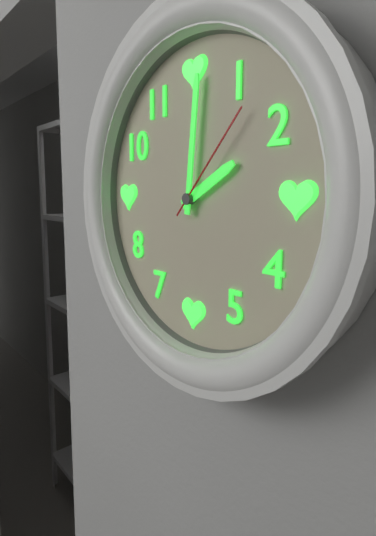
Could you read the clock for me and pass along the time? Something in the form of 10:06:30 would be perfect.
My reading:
2:01:07
